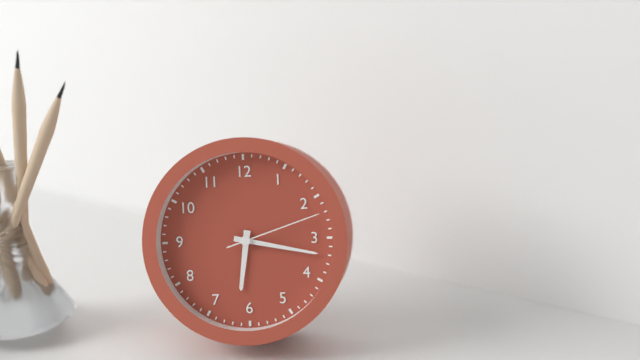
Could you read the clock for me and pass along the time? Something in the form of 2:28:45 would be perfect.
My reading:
6:17:12
